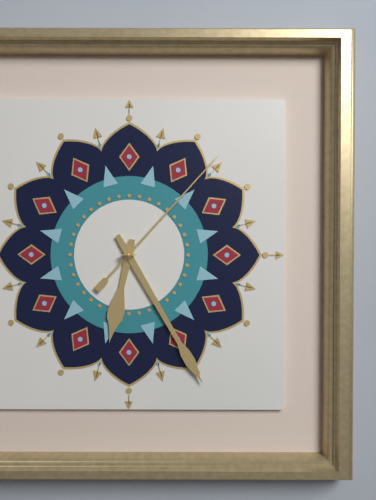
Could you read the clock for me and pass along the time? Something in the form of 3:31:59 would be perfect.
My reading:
6:25:07
